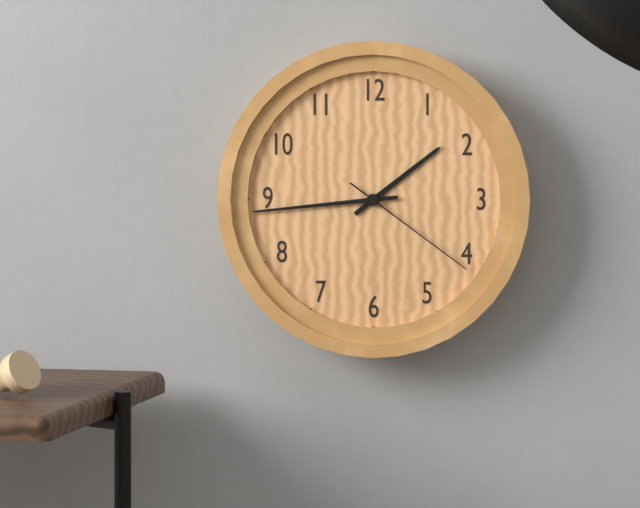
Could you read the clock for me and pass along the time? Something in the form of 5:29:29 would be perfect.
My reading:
1:44:21
